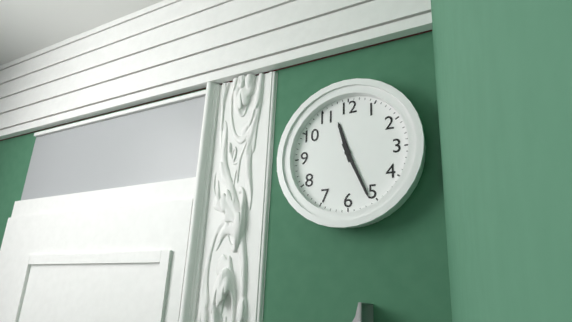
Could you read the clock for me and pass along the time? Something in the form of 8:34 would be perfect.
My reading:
11:26
